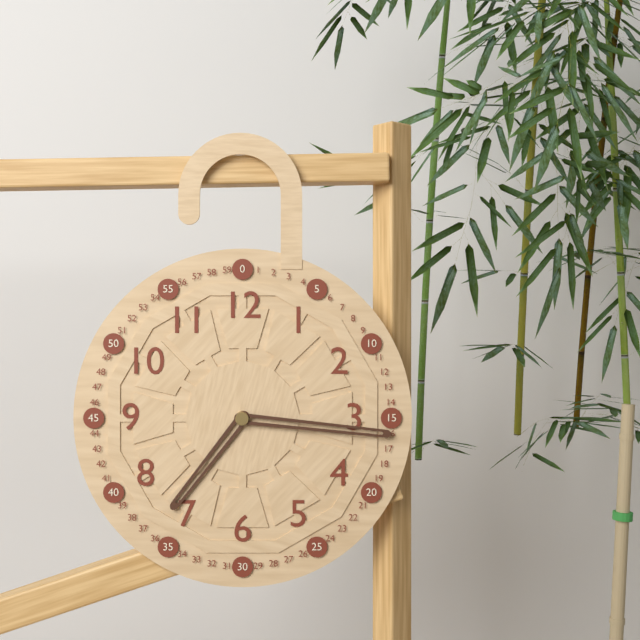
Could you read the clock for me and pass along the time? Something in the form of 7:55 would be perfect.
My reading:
7:16
